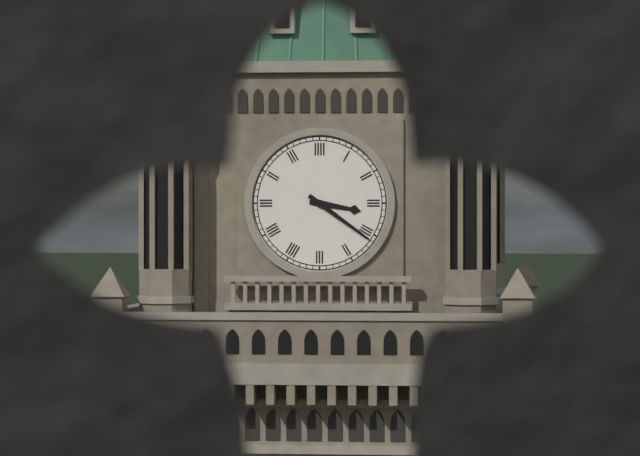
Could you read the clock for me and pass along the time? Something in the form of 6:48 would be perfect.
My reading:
3:21
